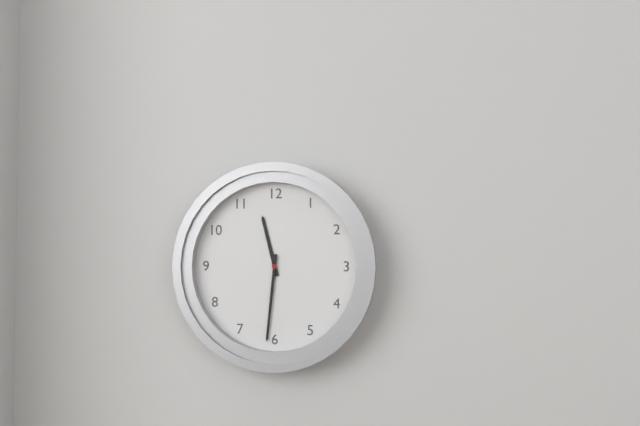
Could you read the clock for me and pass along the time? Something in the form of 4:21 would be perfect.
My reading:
11:31
